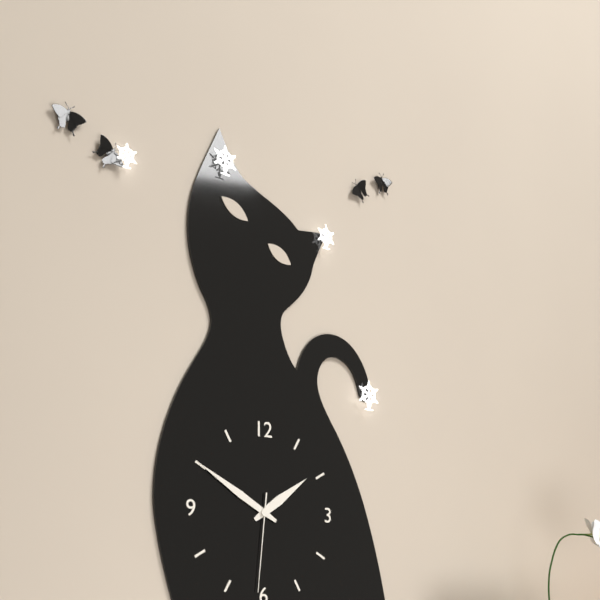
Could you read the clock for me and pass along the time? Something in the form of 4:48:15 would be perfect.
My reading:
1:50:31
